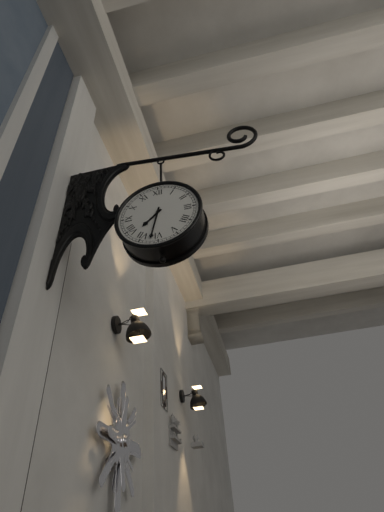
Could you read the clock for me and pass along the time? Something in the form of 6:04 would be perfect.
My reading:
7:32
